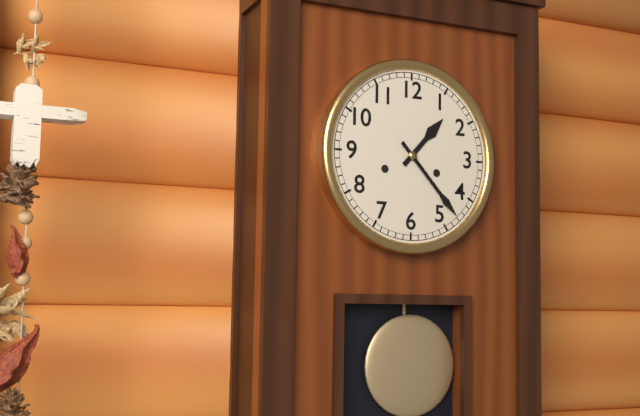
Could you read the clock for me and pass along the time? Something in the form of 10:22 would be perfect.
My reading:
1:23
